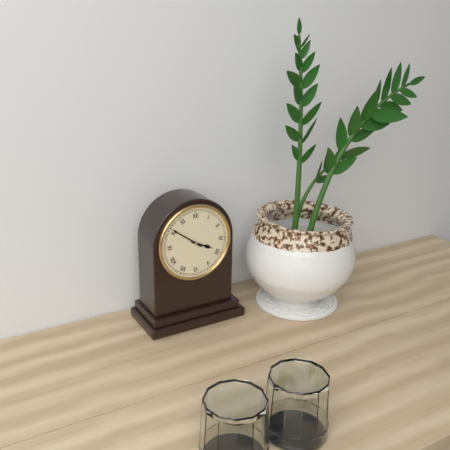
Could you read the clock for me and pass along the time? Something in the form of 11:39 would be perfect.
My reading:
3:51
